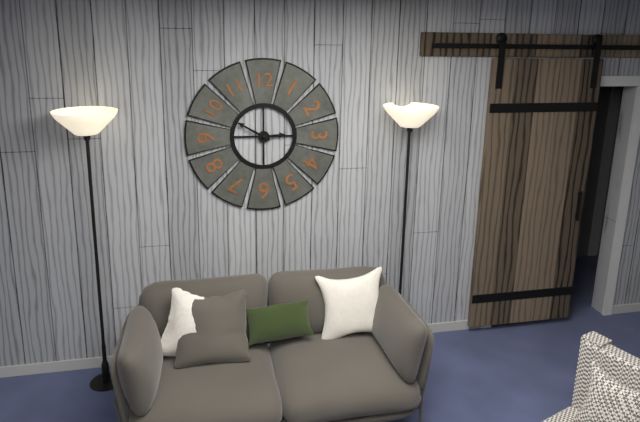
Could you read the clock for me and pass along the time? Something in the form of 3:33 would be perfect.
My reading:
2:50
